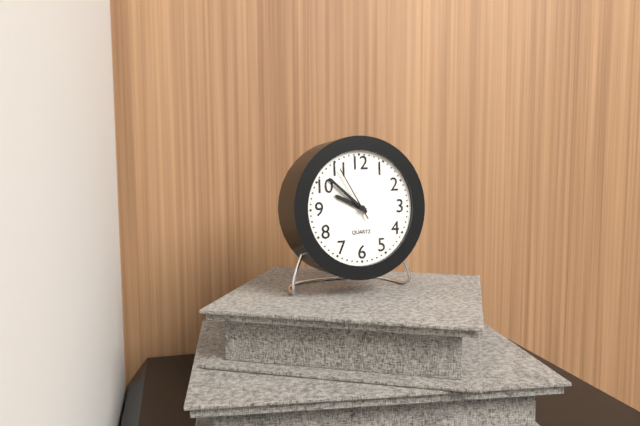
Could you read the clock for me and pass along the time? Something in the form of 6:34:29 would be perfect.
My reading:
9:52:55
